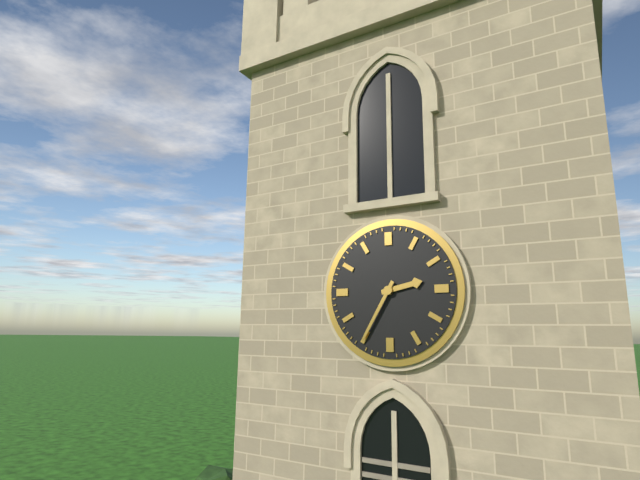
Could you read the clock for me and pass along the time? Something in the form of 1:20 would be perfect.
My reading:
2:35
